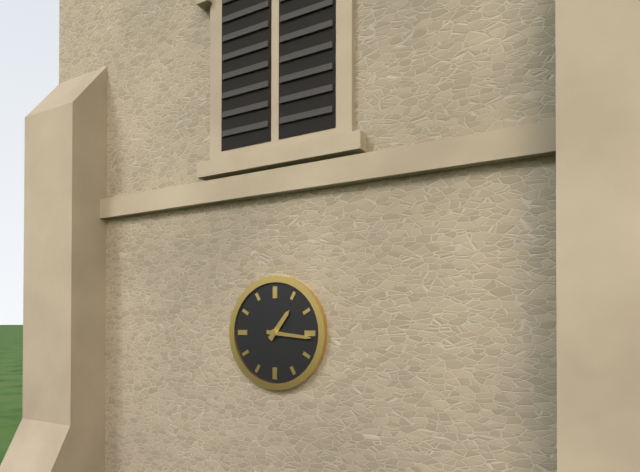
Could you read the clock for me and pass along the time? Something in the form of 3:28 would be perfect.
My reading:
1:16
